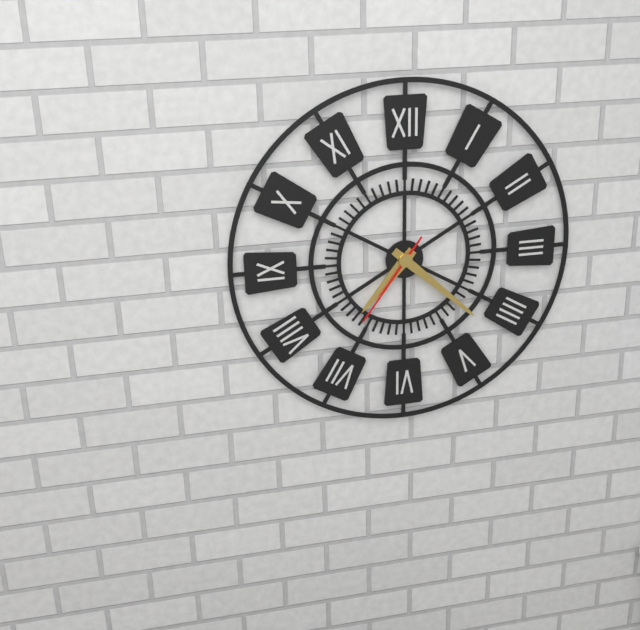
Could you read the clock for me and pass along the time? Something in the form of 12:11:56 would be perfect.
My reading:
7:22:36
